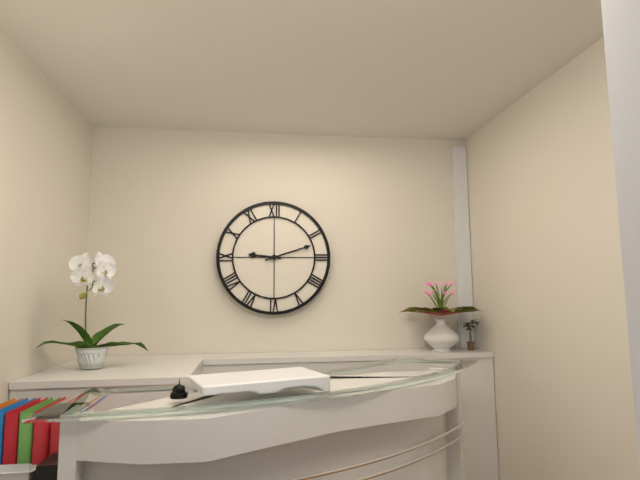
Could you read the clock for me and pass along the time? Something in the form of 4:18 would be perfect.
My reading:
9:12
